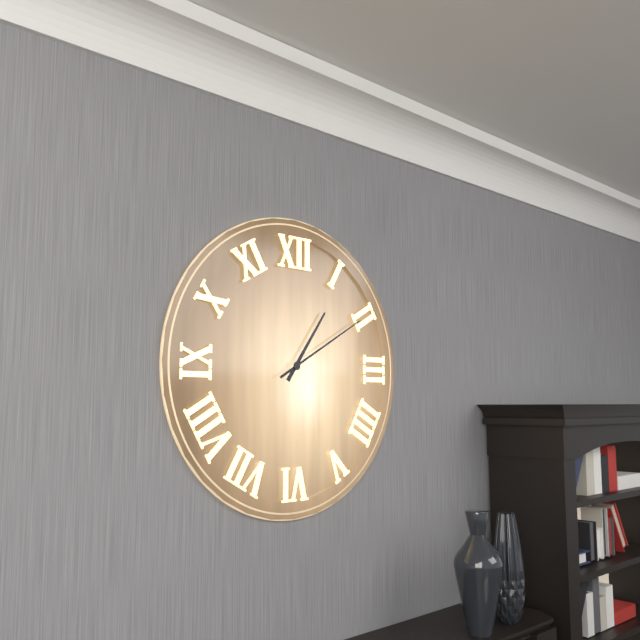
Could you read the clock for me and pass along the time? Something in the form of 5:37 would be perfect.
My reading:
1:10
